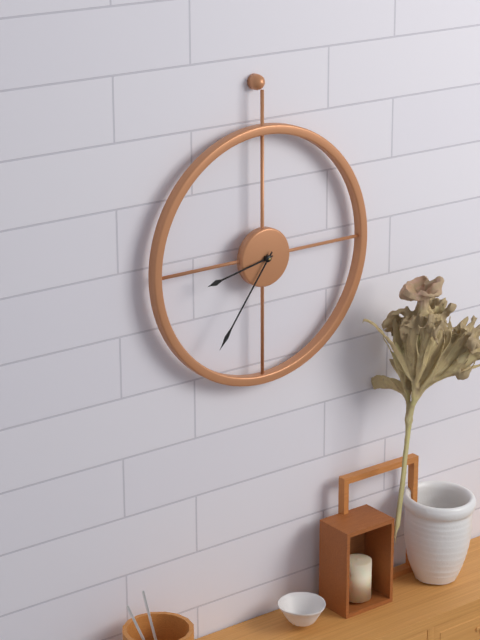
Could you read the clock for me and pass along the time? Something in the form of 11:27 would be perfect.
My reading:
8:36
